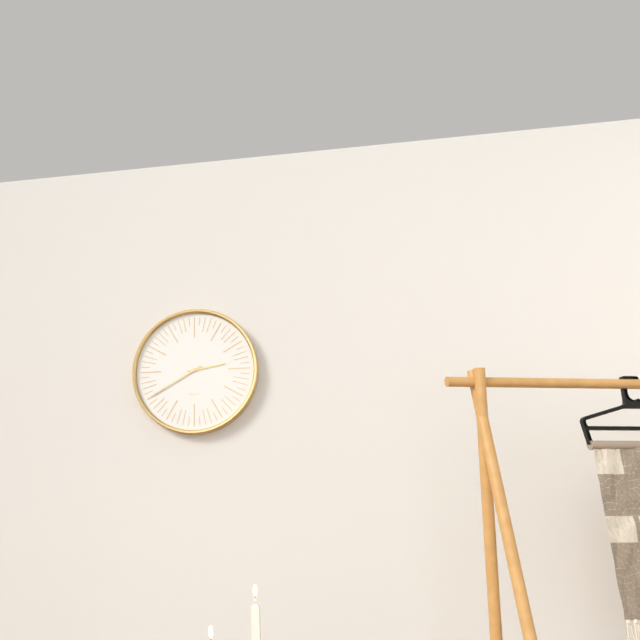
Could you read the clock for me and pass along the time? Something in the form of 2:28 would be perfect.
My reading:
2:40
